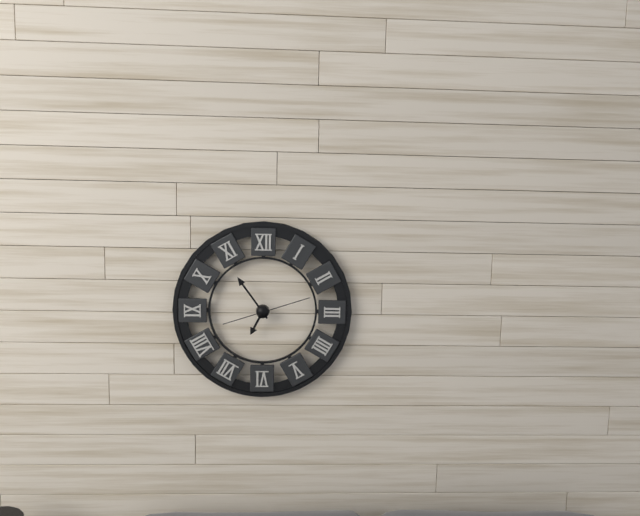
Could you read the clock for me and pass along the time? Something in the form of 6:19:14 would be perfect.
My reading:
6:54:12
